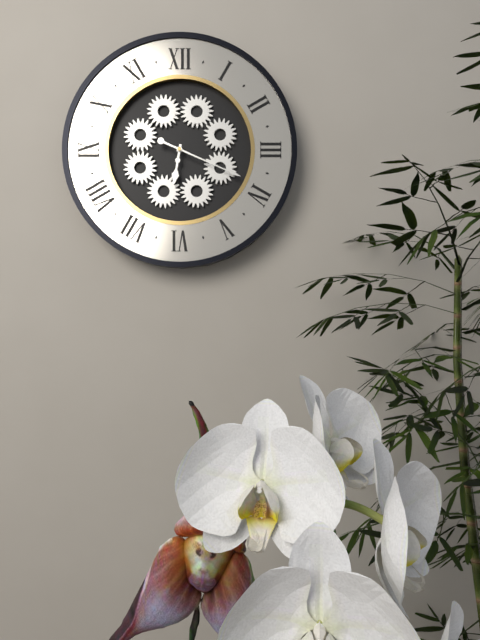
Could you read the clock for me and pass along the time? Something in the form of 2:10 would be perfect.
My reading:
6:19
